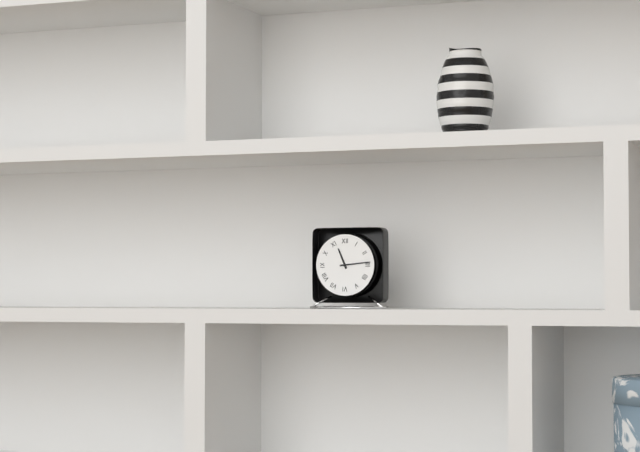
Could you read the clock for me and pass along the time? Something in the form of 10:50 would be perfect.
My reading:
11:14
